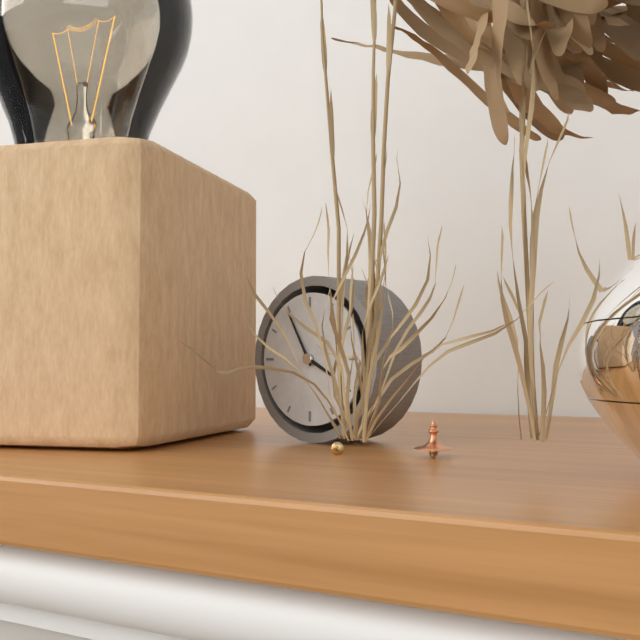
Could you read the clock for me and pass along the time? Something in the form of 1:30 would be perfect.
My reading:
3:55
